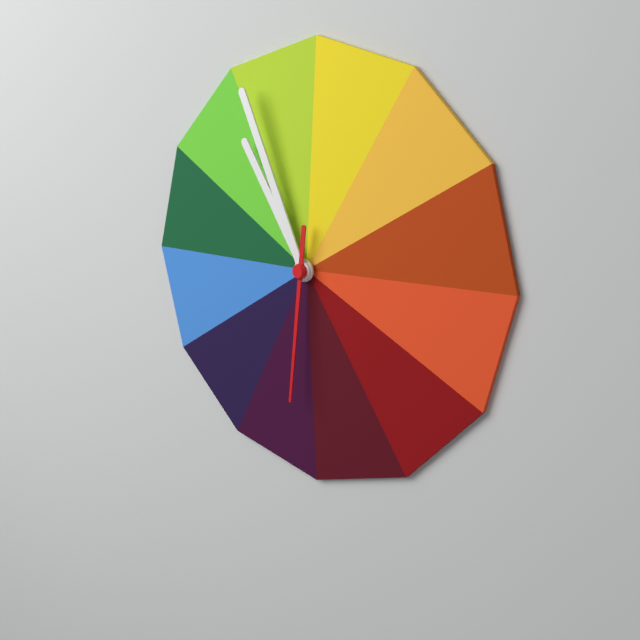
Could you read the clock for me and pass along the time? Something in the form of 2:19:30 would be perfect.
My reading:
10:56:31
